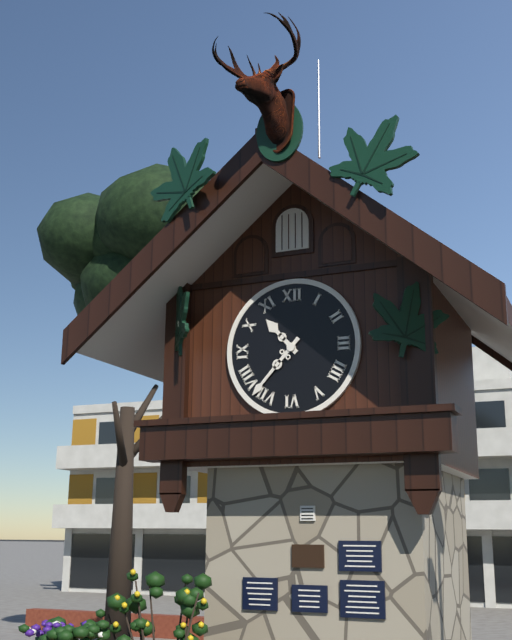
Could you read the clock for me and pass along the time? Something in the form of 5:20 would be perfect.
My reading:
10:37
